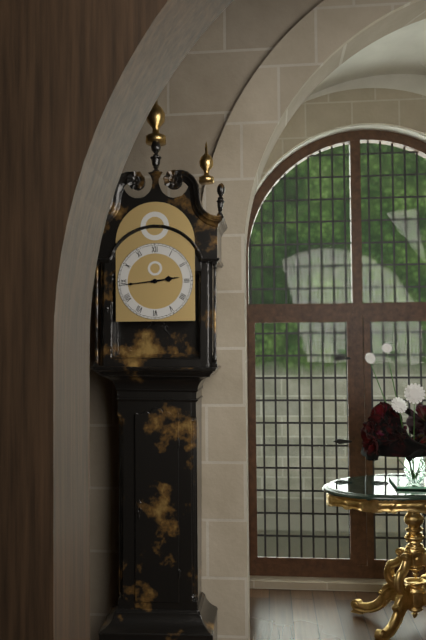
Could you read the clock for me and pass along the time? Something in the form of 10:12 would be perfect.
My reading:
2:44
